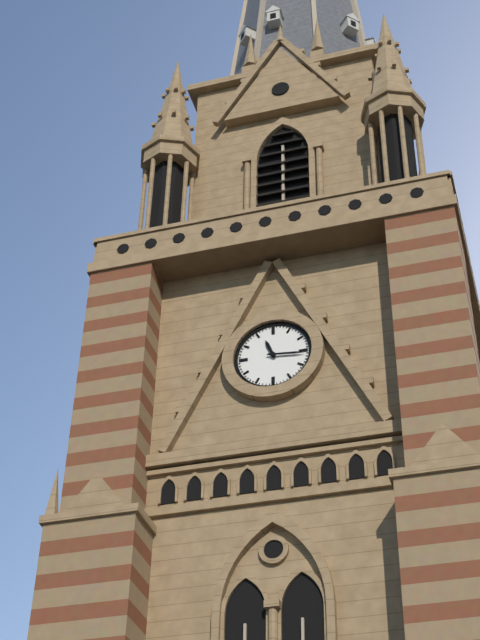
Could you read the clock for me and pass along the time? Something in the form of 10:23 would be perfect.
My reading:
11:16
